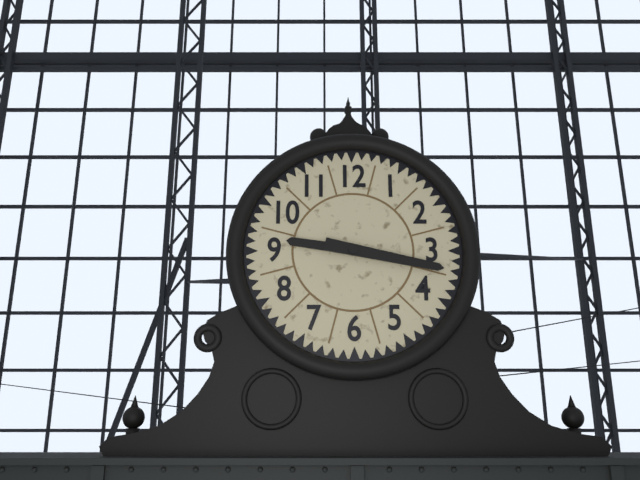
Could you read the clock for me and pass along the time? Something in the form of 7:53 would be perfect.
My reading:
9:17
